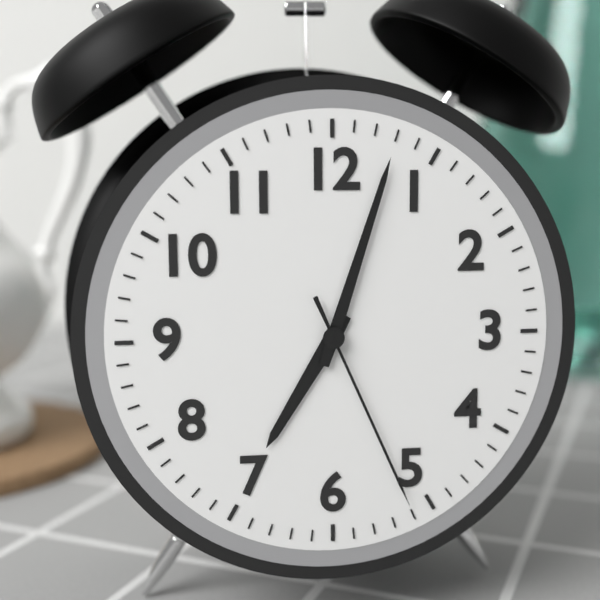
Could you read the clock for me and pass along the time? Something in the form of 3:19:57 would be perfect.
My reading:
7:03:26
